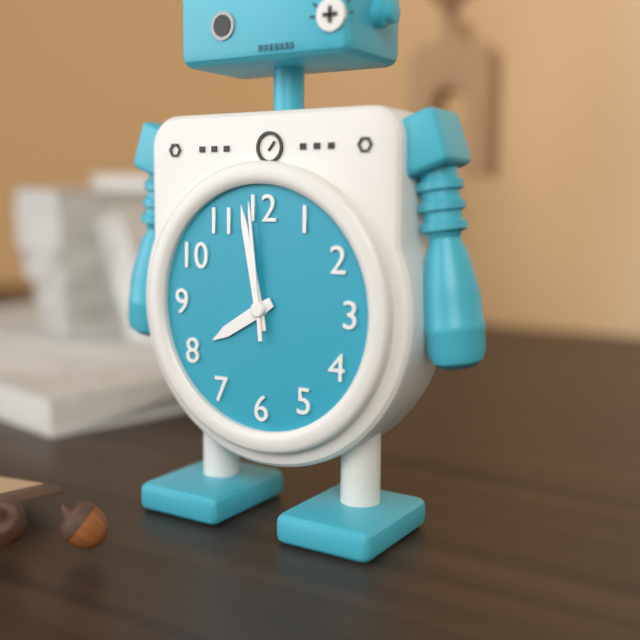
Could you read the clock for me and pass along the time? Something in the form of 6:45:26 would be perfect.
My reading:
7:58:59
